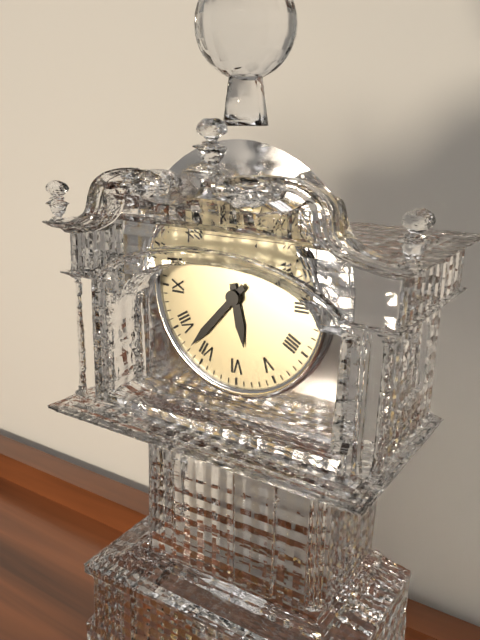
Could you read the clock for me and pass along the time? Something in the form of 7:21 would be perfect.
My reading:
5:37
